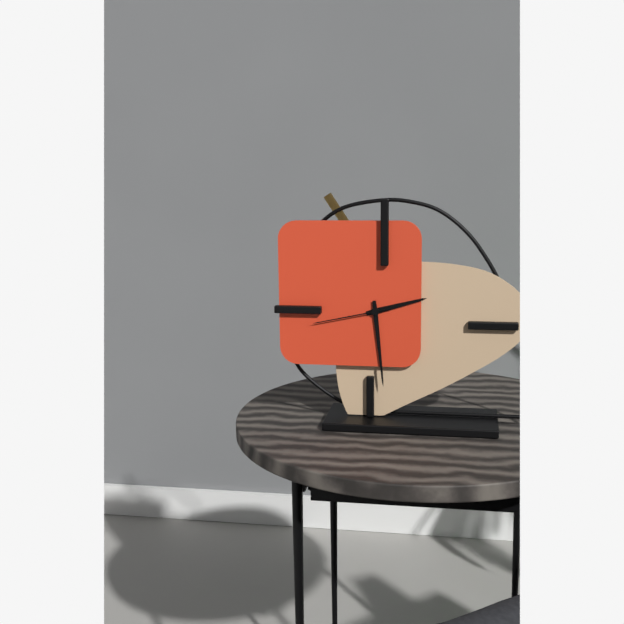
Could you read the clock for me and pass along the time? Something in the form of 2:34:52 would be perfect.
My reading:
2:29:43
